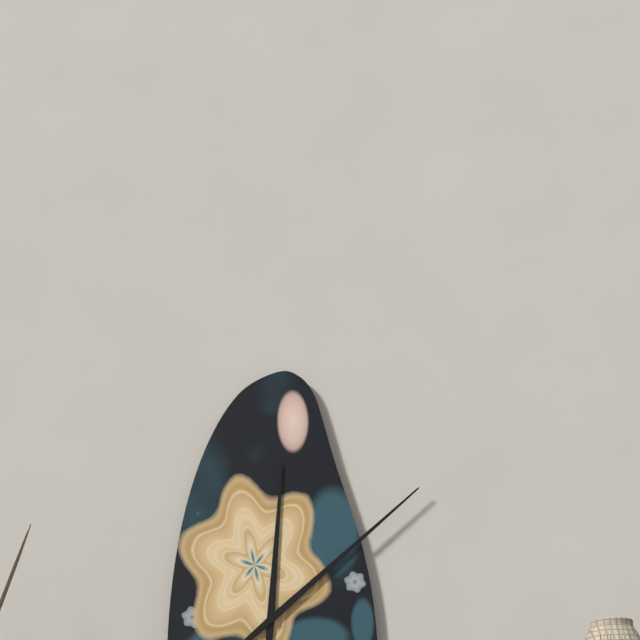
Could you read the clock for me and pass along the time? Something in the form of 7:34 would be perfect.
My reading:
12:08
